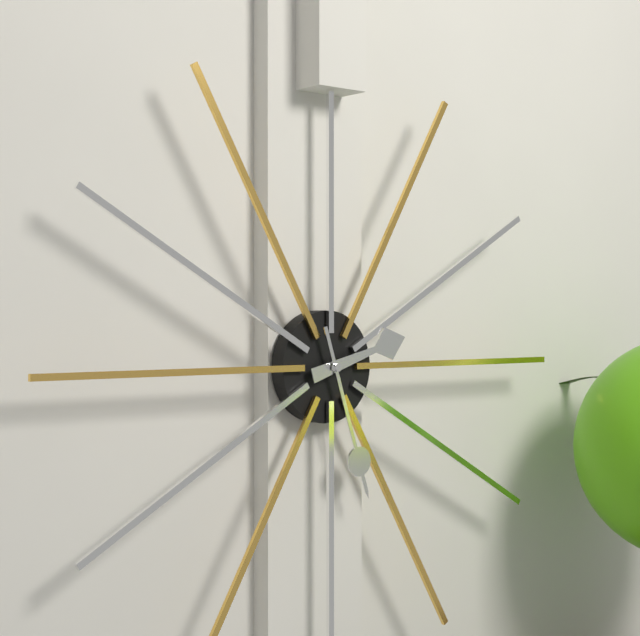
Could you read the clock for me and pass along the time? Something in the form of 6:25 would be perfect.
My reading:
2:27
